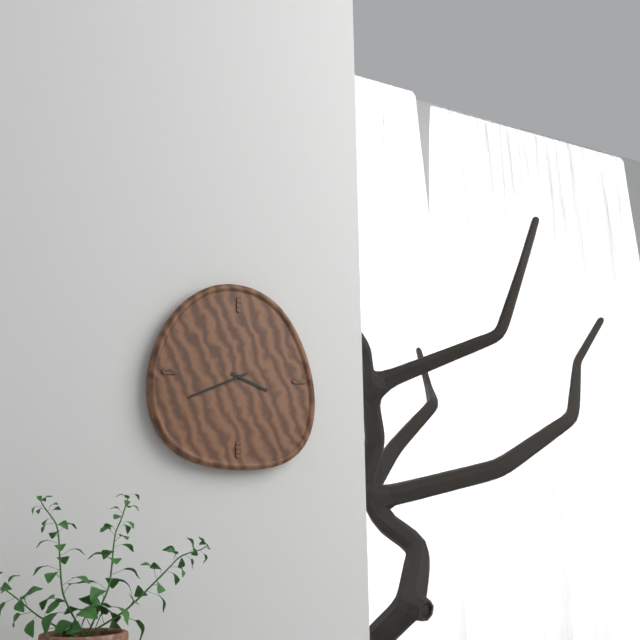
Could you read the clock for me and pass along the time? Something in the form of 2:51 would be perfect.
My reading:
3:41
